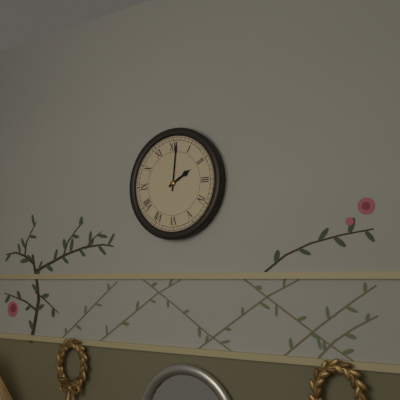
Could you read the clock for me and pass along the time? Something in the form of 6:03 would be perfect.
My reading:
2:01
